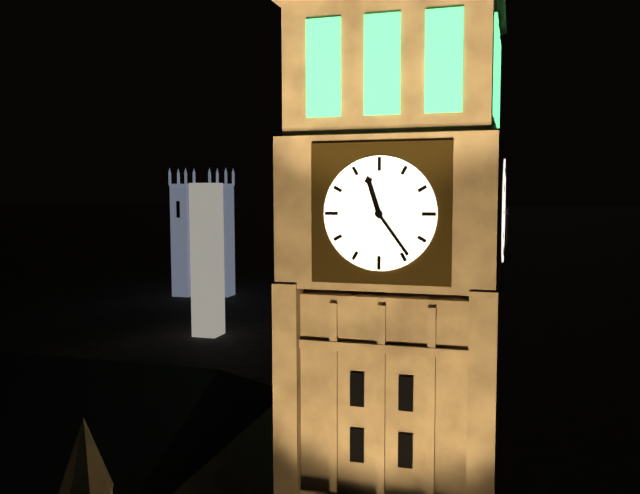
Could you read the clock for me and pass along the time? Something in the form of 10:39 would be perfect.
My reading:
11:24
